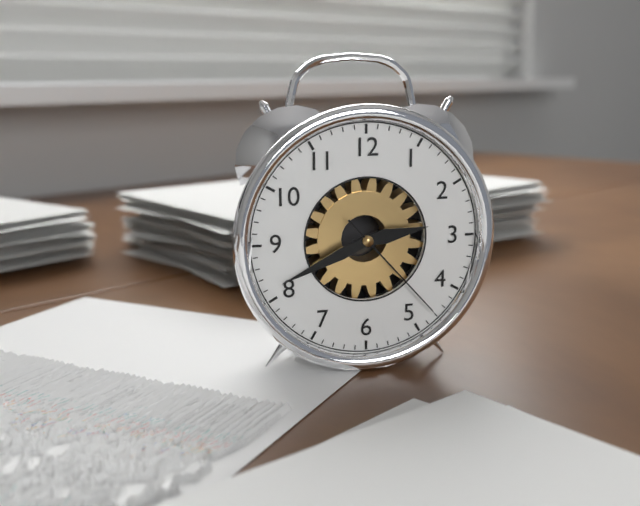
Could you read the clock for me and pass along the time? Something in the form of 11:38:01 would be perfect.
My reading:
2:41:23
